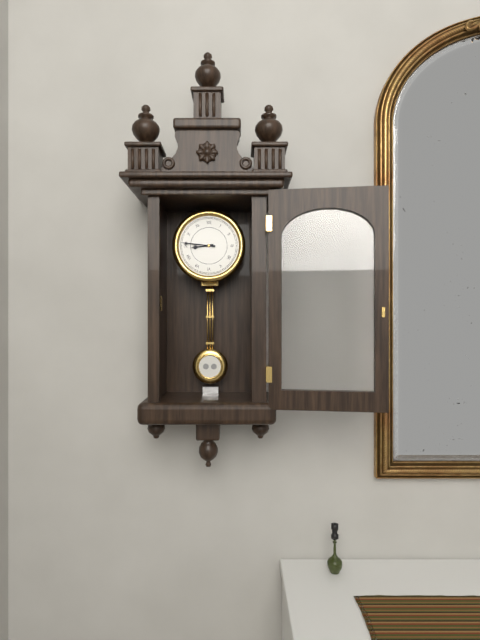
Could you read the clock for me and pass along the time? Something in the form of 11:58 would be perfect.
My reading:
8:46
